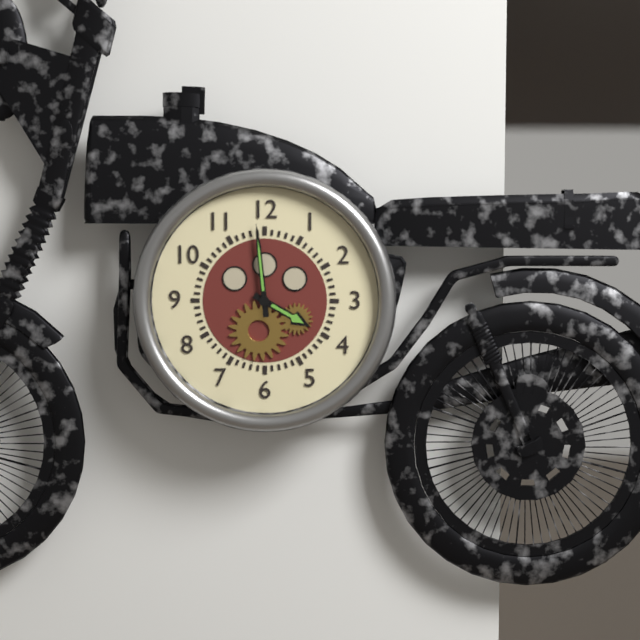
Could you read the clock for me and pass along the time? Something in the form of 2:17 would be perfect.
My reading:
3:59
